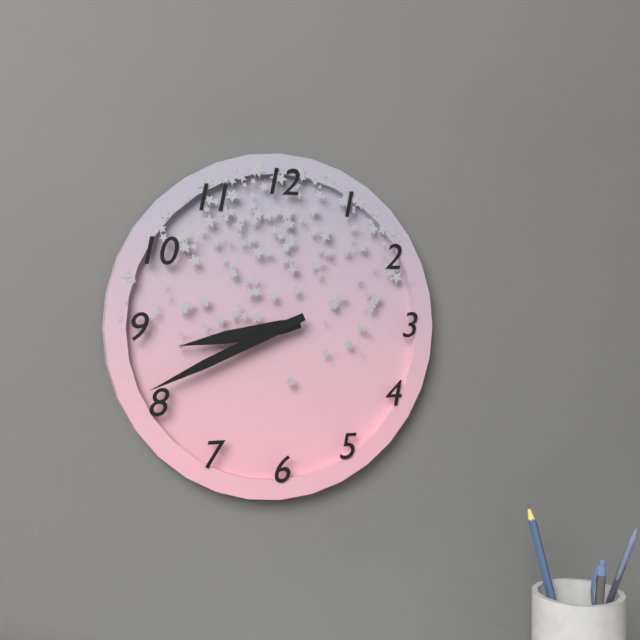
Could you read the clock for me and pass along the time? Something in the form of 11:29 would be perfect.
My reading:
8:41
